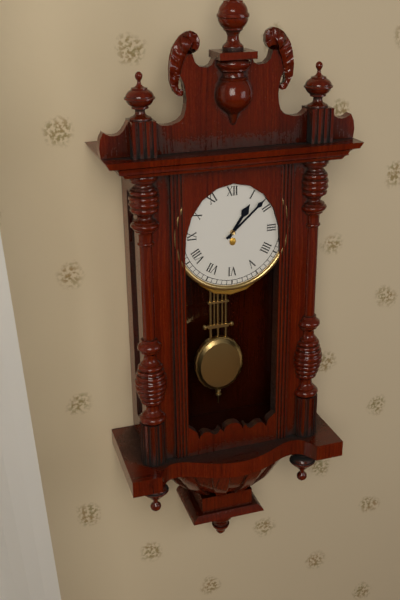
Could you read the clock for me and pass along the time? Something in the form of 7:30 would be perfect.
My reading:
1:08
